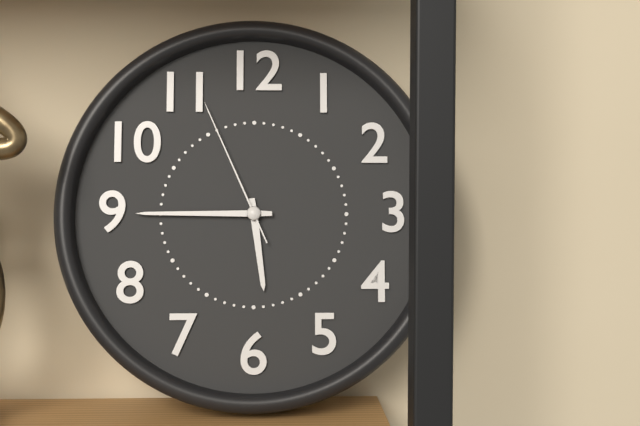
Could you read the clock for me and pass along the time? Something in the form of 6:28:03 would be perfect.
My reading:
5:45:56
